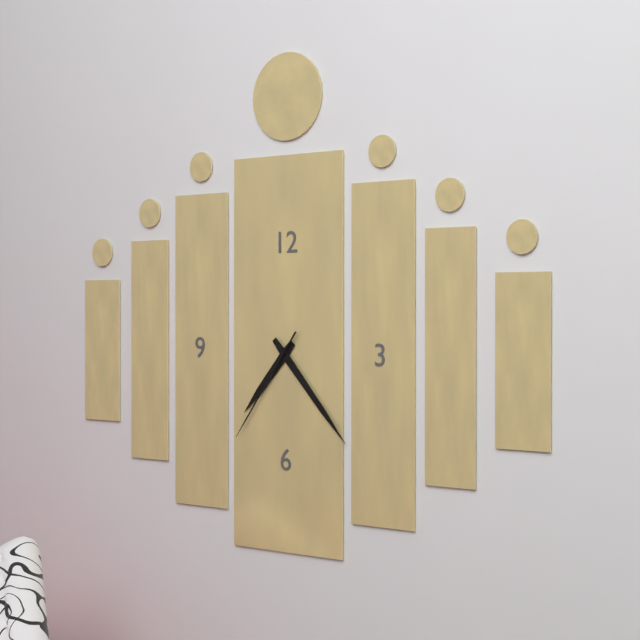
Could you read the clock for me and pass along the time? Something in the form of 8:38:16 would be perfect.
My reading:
7:23:36
